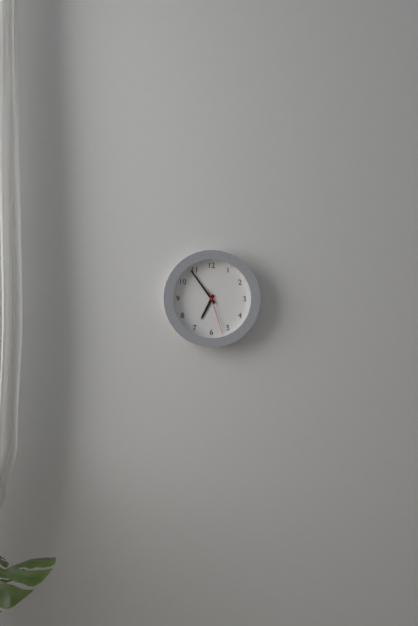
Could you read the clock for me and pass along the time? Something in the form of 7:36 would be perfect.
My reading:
6:54
